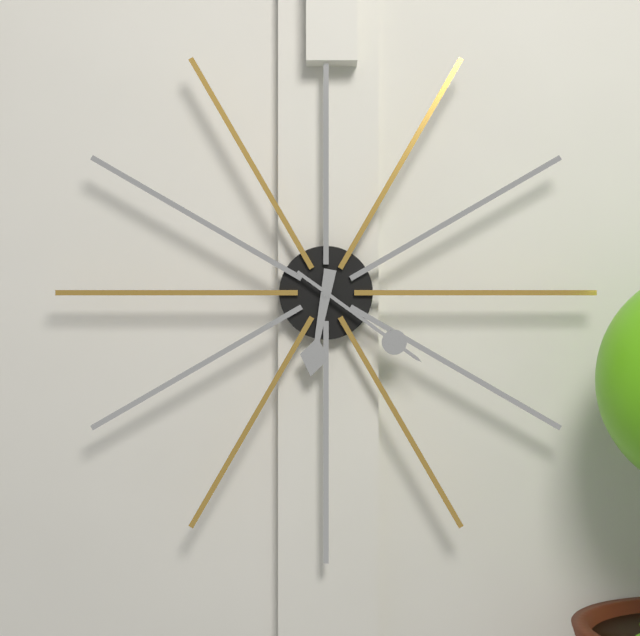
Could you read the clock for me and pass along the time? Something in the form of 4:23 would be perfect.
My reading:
6:21
